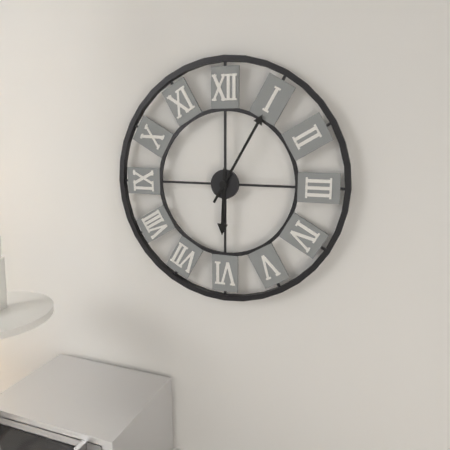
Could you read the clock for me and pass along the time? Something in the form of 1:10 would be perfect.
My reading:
6:05
